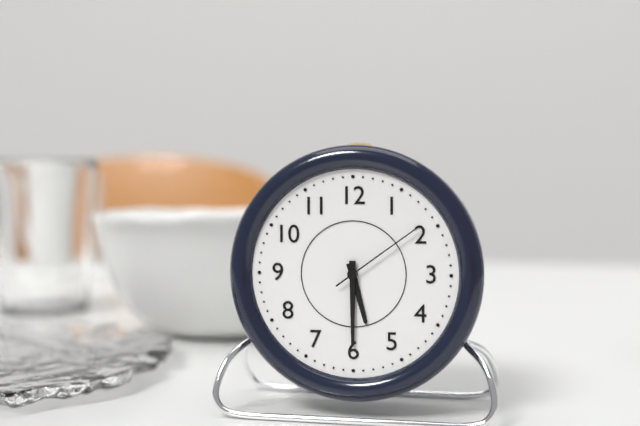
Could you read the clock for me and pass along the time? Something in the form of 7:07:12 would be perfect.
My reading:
5:30:09
